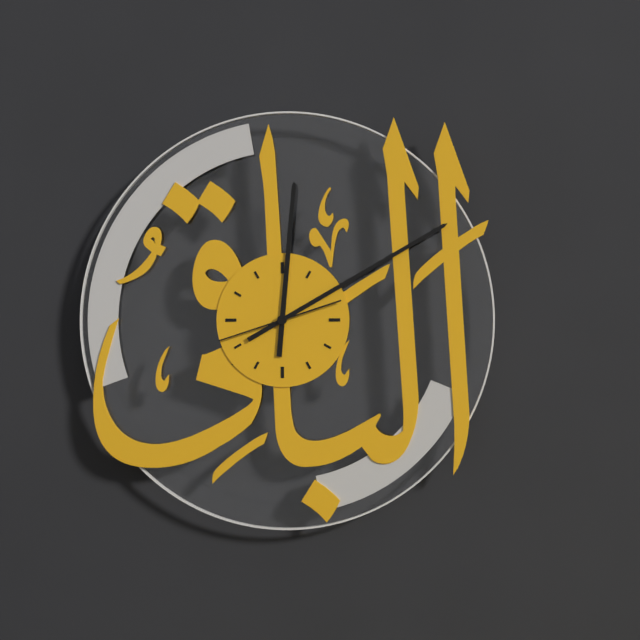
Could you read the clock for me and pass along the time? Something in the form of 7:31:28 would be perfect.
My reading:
12:10:42
